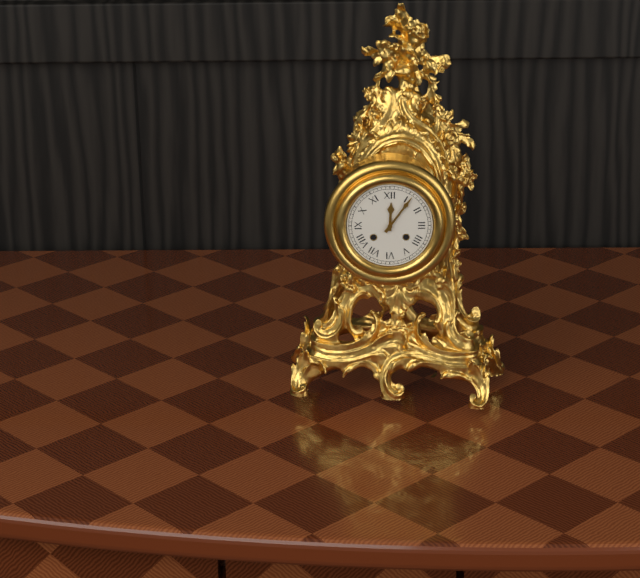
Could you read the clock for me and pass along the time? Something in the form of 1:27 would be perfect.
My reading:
12:06
